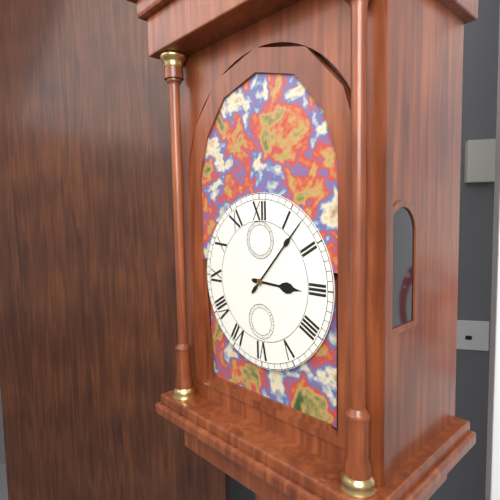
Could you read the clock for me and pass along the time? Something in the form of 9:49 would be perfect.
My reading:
3:07
